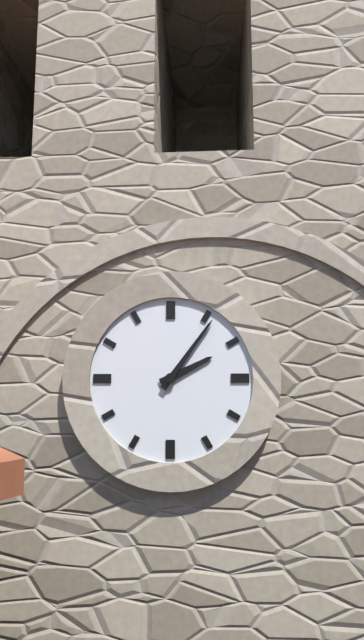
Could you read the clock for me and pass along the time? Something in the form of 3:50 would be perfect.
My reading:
2:06
